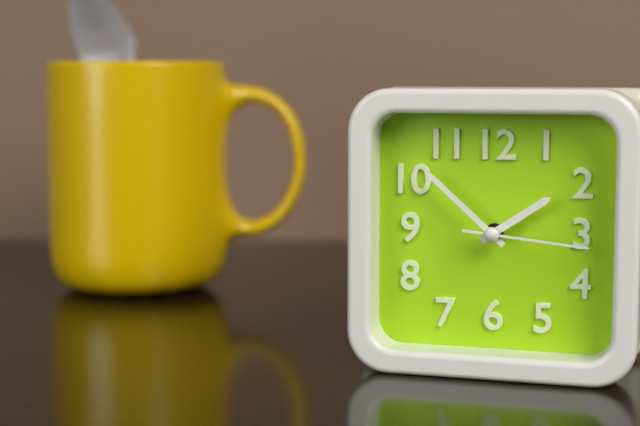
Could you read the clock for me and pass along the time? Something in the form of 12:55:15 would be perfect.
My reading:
1:52:16
